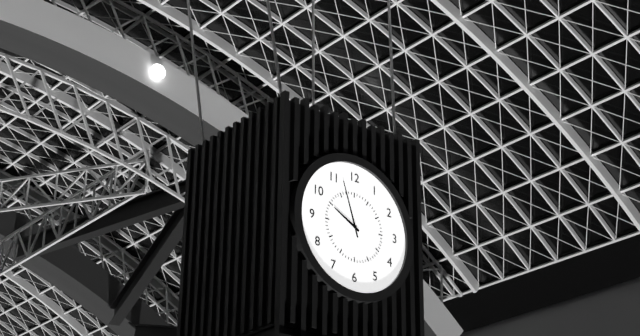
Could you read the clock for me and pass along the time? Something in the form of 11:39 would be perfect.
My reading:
9:57
